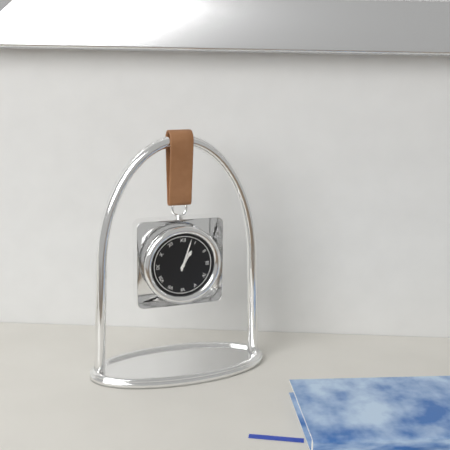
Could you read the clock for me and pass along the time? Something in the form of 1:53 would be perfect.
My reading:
1:03
